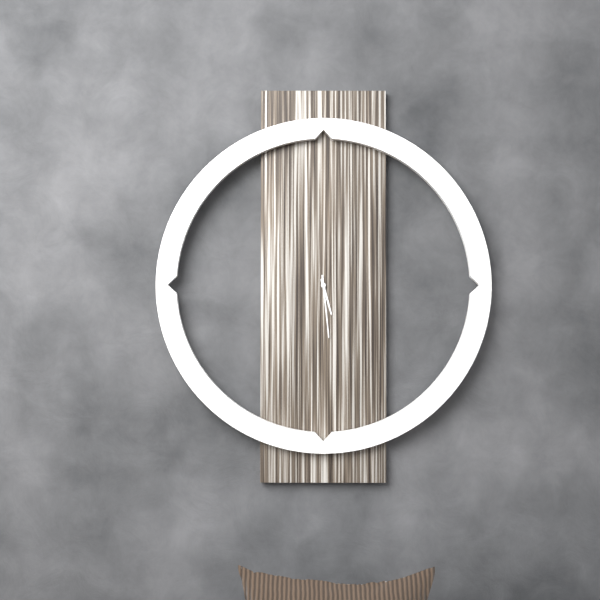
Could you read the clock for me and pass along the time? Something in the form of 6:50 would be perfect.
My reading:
5:29
